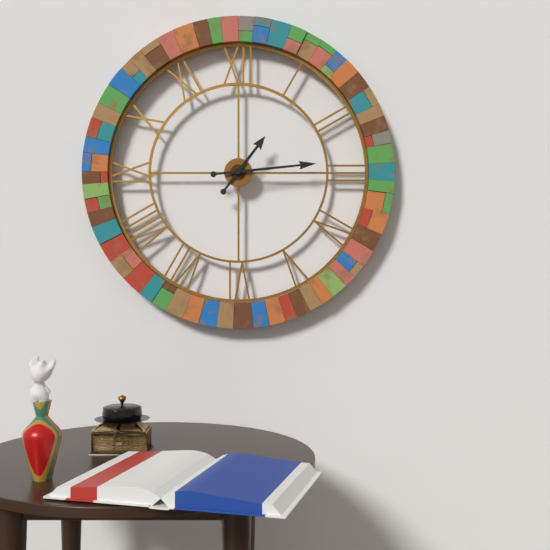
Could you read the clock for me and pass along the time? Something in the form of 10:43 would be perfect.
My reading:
1:14
